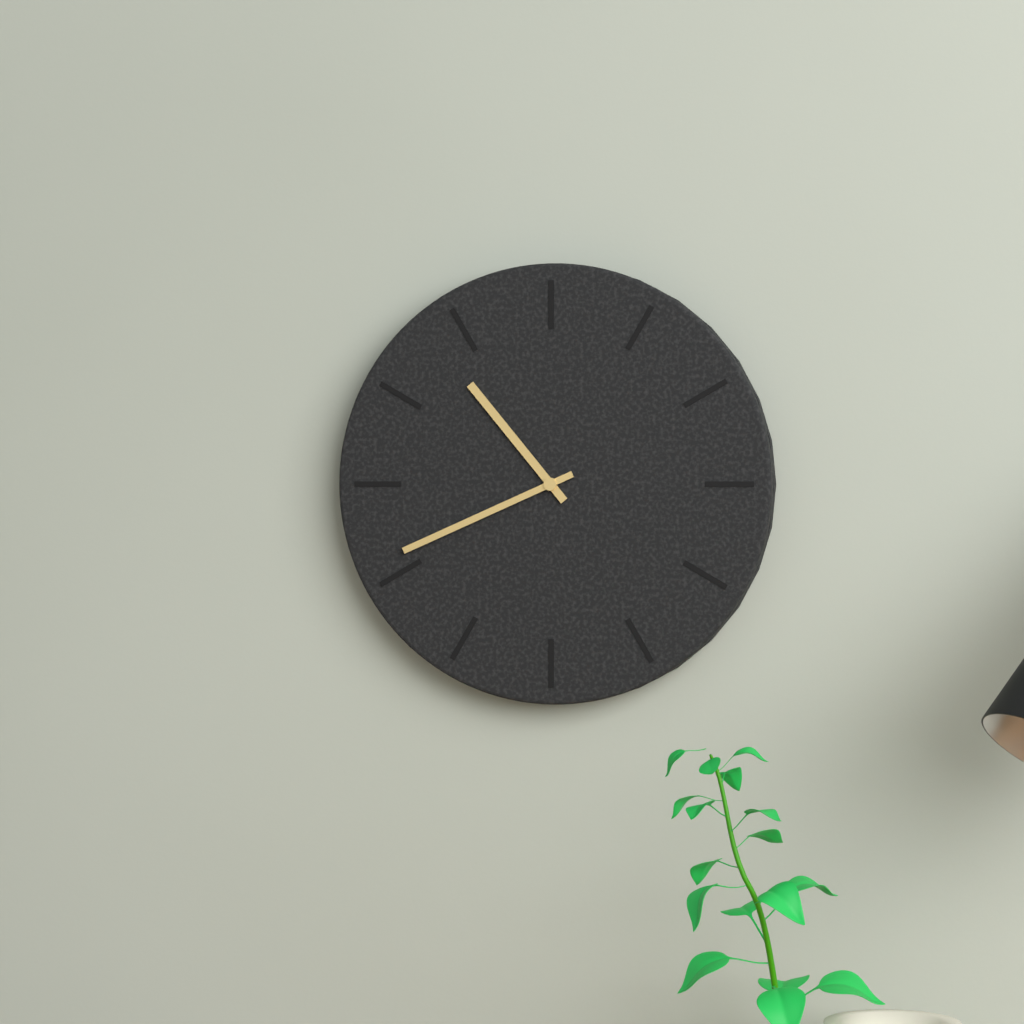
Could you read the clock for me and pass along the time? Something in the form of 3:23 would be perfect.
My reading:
10:41
